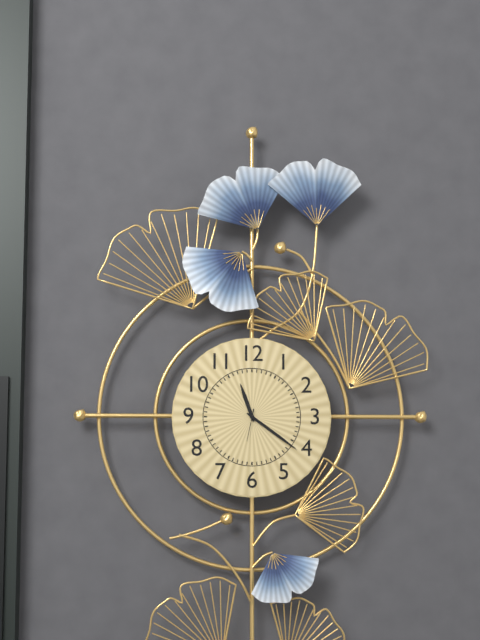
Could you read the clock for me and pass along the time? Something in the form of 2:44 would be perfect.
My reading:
11:21
